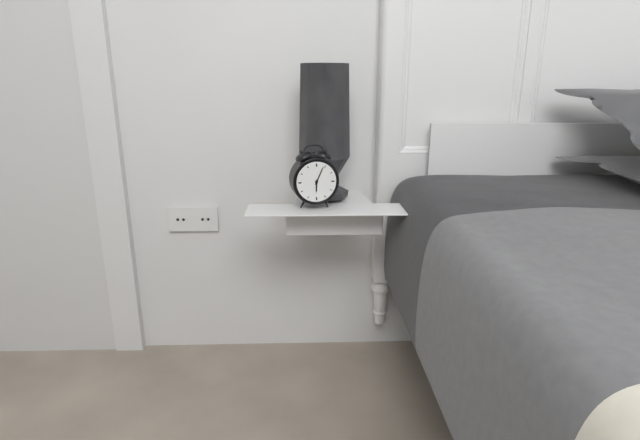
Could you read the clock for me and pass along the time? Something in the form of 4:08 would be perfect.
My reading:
6:04
